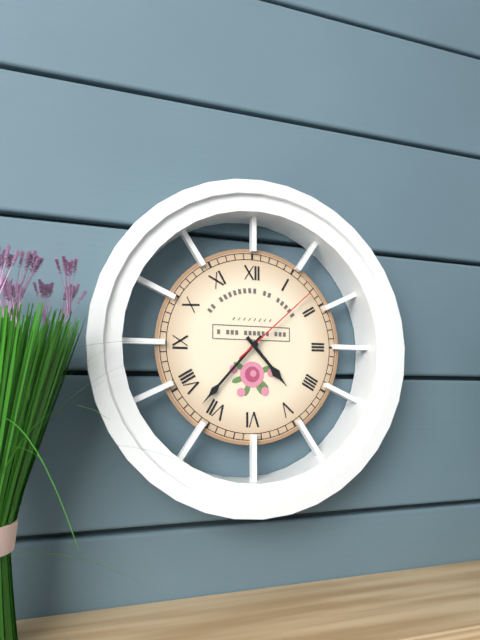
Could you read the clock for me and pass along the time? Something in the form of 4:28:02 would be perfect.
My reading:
4:37:08
